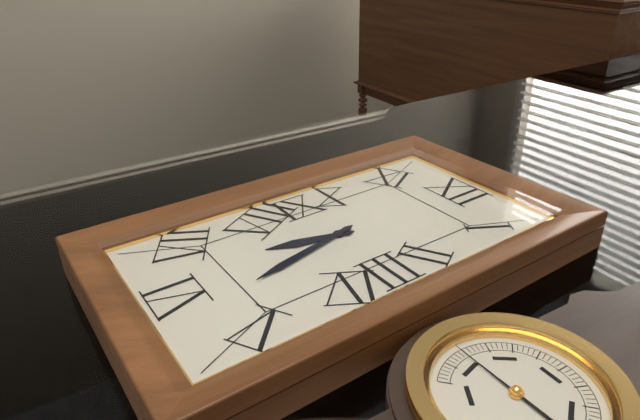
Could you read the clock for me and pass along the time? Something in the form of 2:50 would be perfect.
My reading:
6:28
